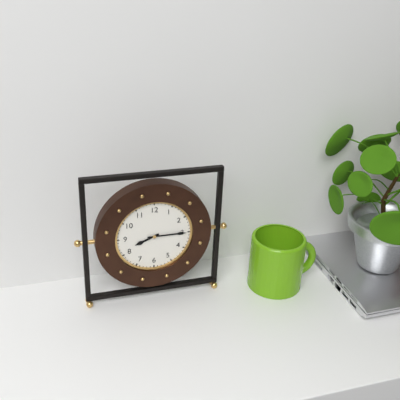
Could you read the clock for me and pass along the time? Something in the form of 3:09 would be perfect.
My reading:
8:15
